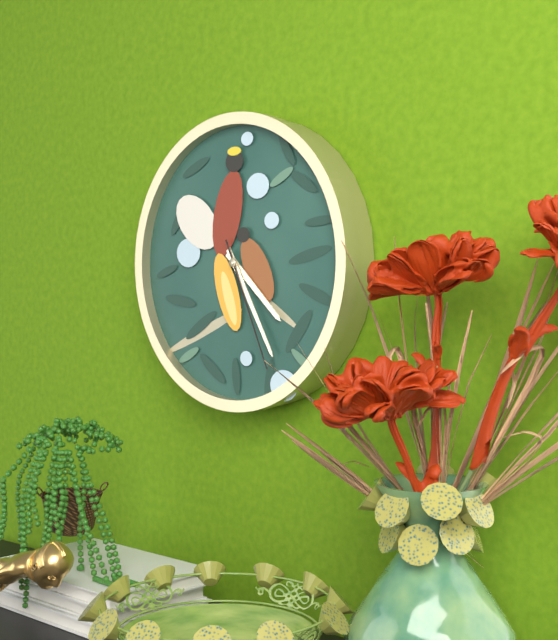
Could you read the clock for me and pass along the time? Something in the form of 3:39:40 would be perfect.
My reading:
4:25:26
